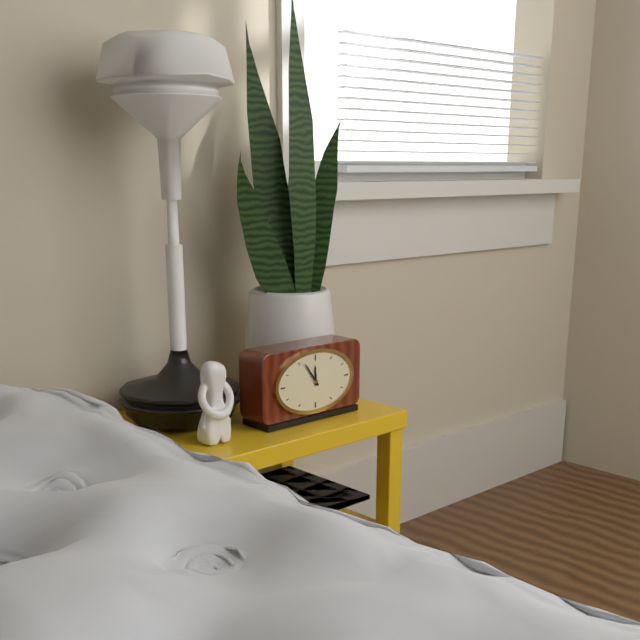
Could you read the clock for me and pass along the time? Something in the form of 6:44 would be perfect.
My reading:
11:54
